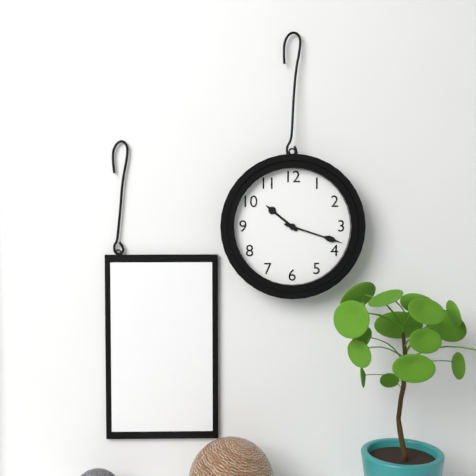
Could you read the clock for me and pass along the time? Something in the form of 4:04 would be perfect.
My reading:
10:18
